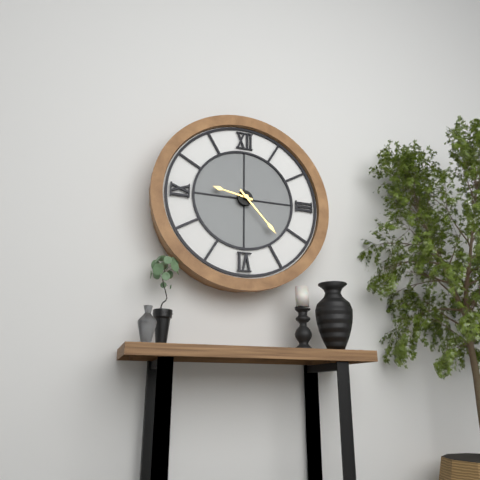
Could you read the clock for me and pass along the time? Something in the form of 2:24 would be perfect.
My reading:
9:23
